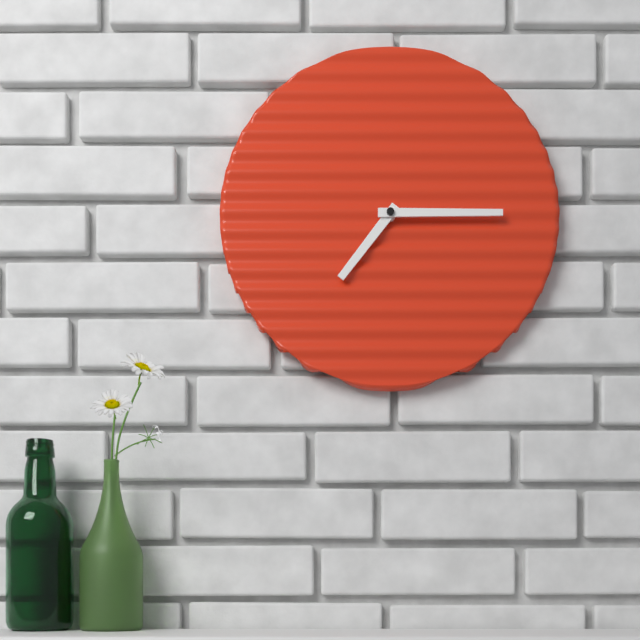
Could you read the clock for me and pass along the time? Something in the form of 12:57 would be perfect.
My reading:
7:15
